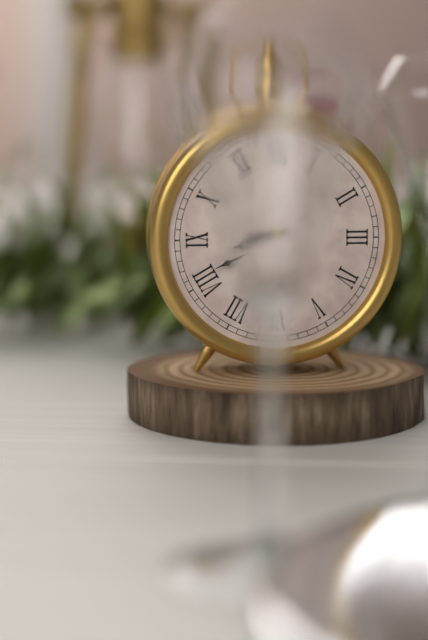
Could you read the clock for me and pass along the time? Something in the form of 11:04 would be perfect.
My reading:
8:41
